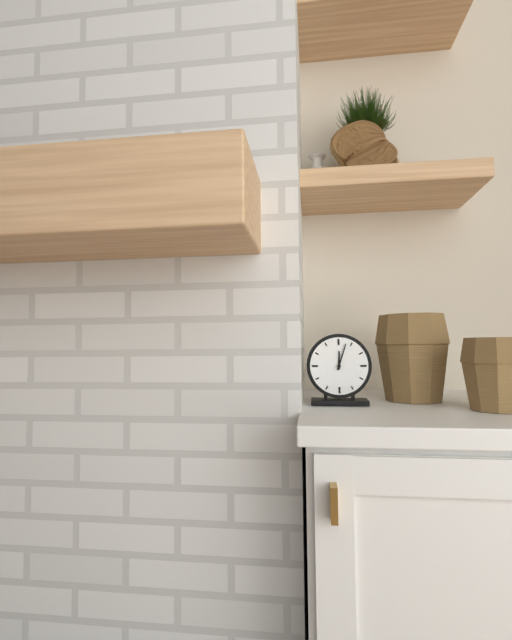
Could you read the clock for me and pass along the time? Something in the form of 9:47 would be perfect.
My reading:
12:03
